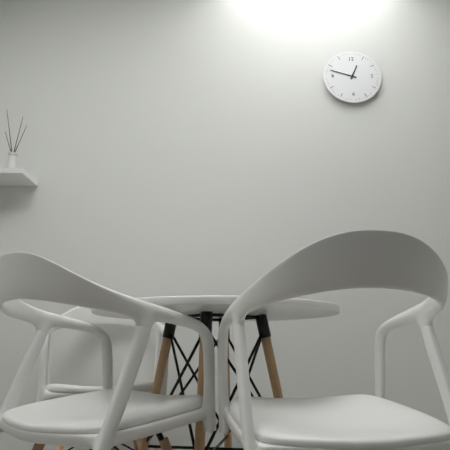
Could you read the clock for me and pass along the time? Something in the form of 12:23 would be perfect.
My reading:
12:48
